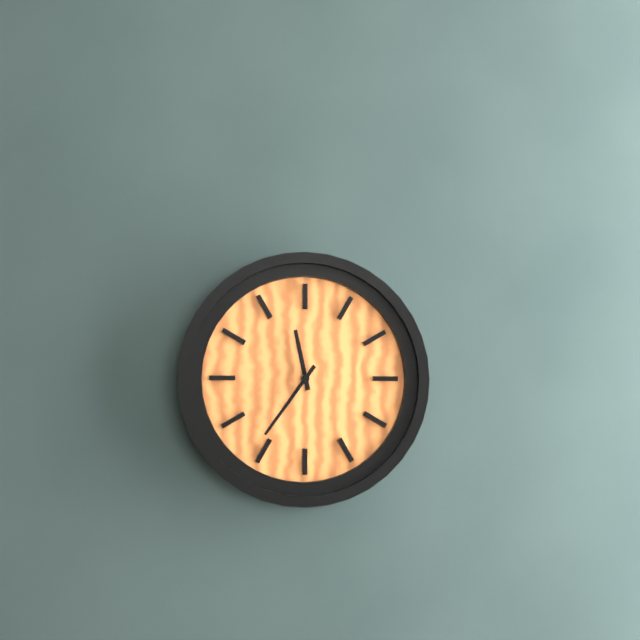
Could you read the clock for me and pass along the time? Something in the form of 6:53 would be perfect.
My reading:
11:36
